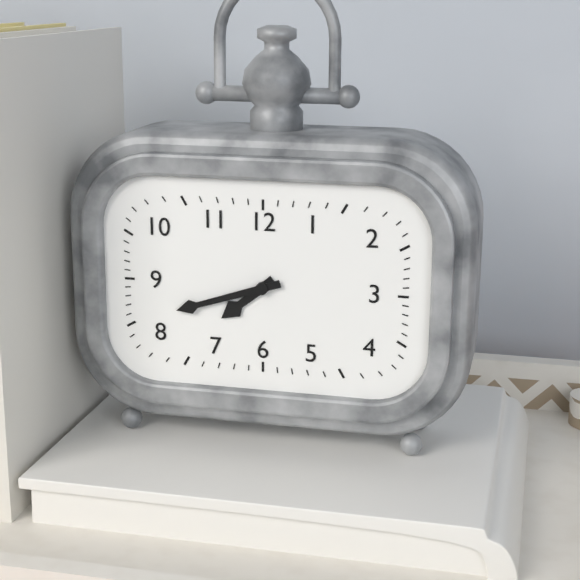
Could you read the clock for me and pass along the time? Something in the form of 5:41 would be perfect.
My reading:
7:42
